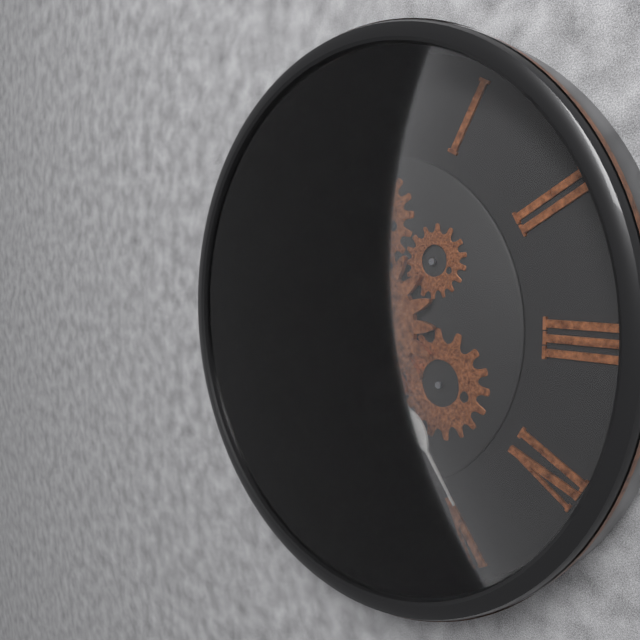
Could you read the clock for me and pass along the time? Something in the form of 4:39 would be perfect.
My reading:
6:24
